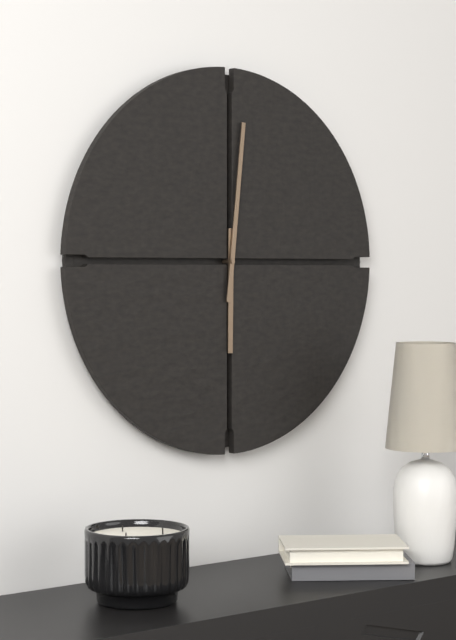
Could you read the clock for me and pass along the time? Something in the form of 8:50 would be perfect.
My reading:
6:01
